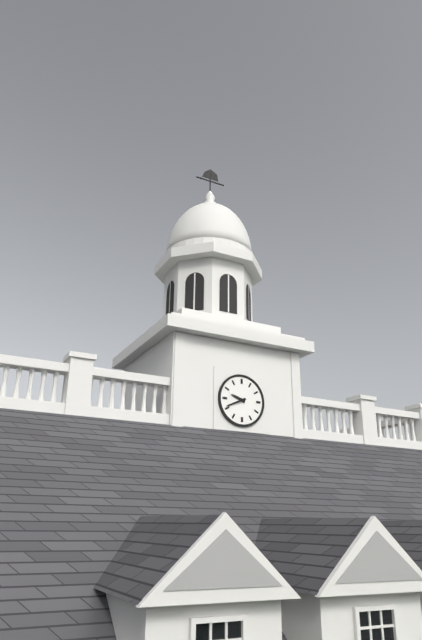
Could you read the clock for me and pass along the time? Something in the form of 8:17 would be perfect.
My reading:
9:41
